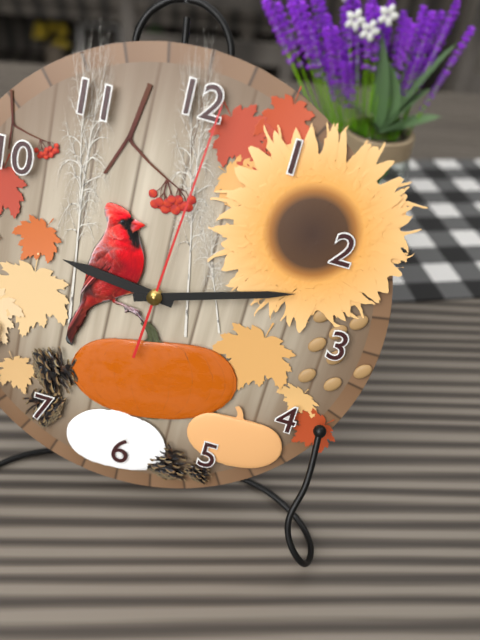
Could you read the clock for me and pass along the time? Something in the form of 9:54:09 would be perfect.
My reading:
9:12:01
